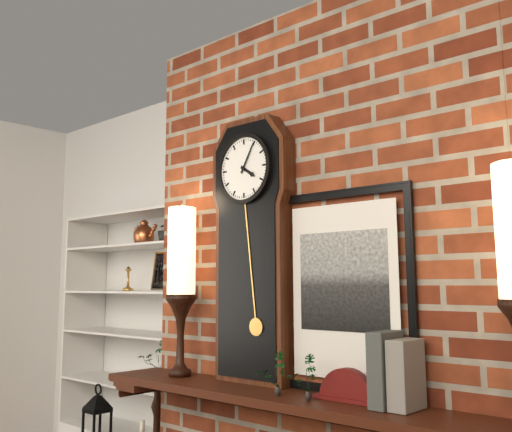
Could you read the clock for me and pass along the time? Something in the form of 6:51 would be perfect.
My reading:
4:05
